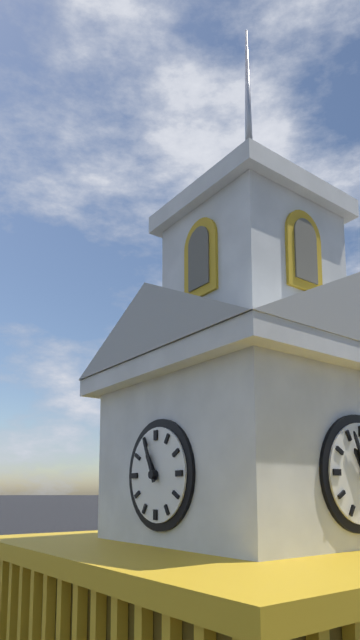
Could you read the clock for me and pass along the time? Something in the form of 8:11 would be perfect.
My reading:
10:56
